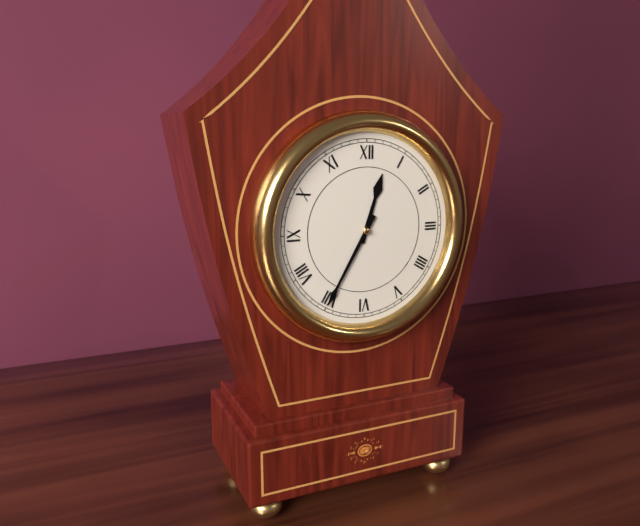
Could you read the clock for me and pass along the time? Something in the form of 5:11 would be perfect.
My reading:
12:35
